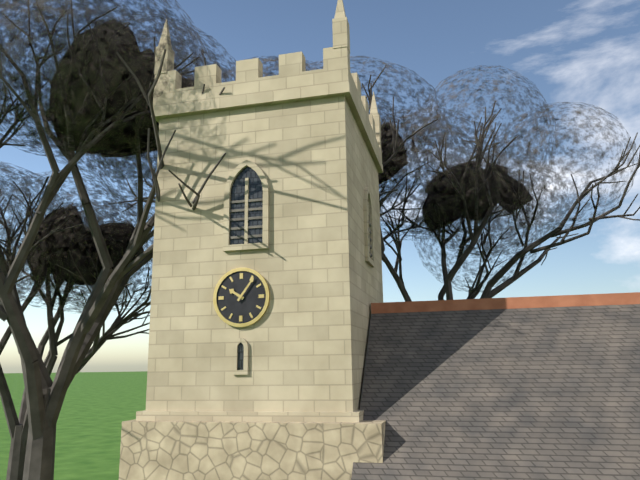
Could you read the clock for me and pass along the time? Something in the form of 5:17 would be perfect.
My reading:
10:06
